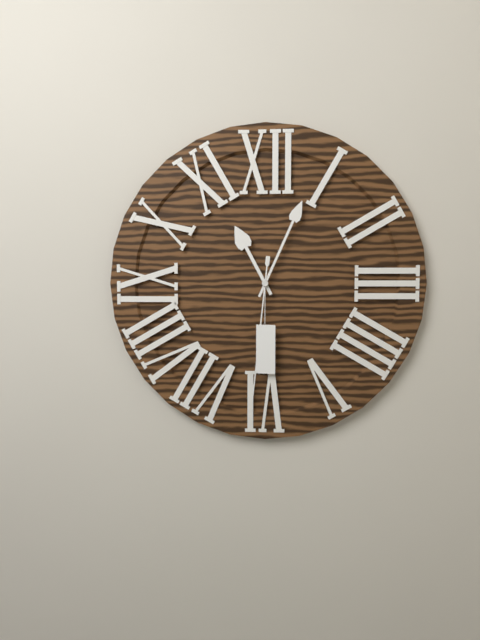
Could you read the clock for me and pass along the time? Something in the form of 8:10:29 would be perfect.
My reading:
11:04:31
